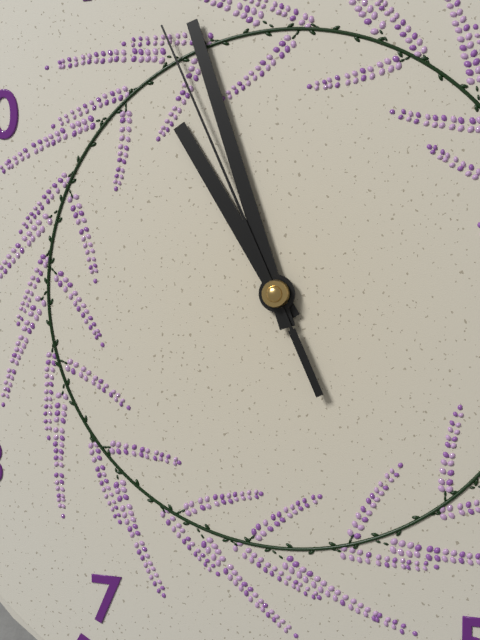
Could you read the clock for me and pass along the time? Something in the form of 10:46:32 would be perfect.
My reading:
10:57:56
